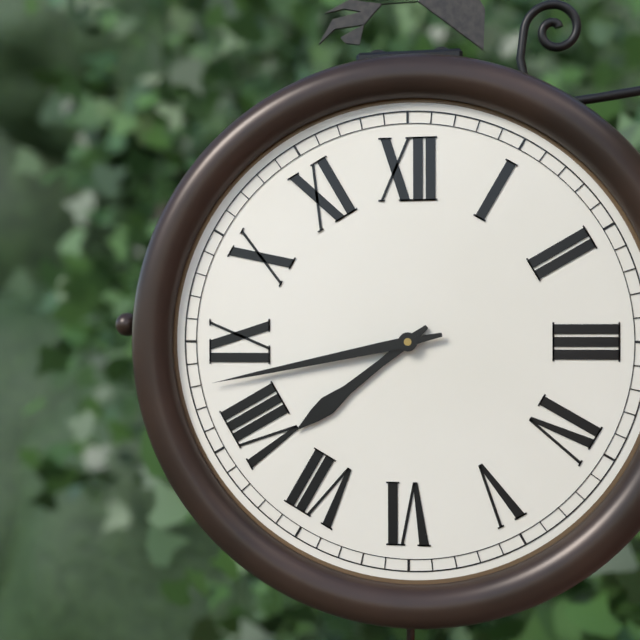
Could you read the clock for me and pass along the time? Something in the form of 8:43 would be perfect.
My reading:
7:43
